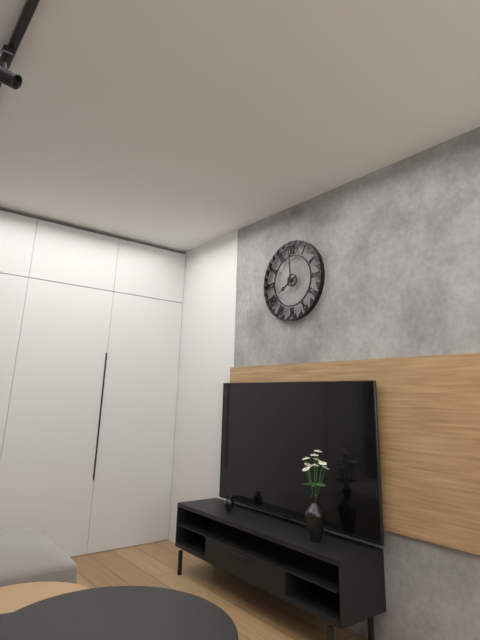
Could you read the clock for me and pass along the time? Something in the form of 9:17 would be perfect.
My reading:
7:59
